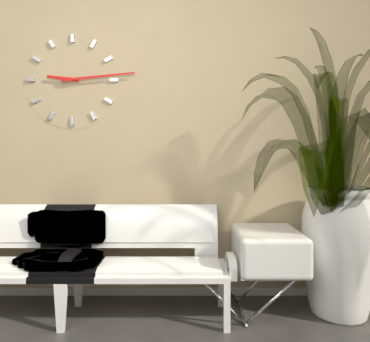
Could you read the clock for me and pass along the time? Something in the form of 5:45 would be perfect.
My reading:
9:14
